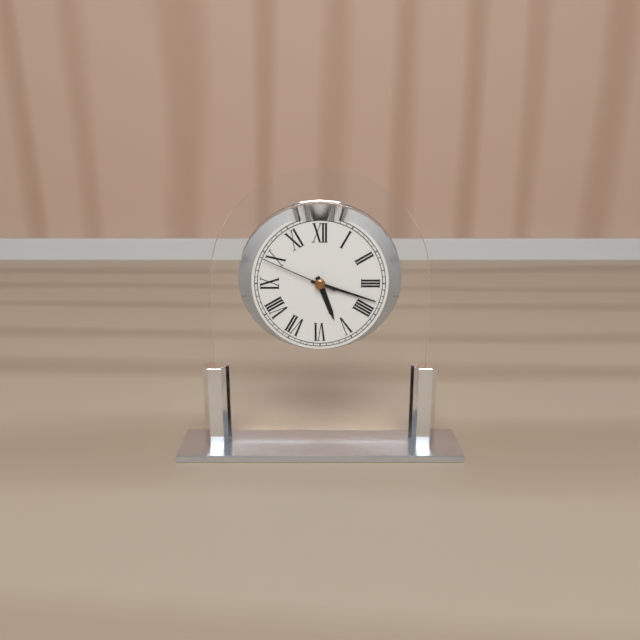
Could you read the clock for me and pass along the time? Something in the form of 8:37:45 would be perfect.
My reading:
5:18:49
